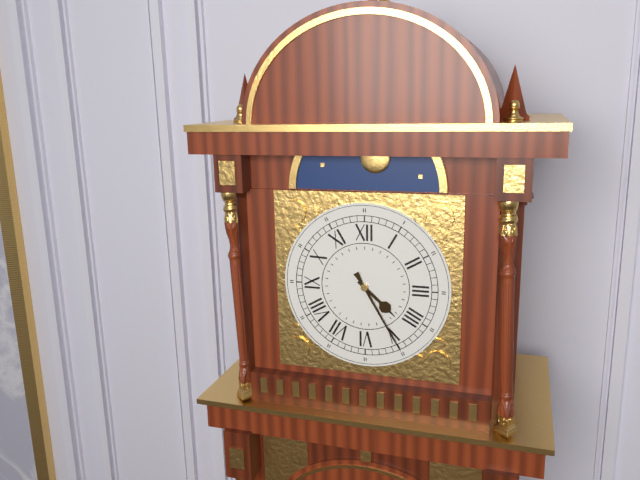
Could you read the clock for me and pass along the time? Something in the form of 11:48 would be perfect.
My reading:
4:25
